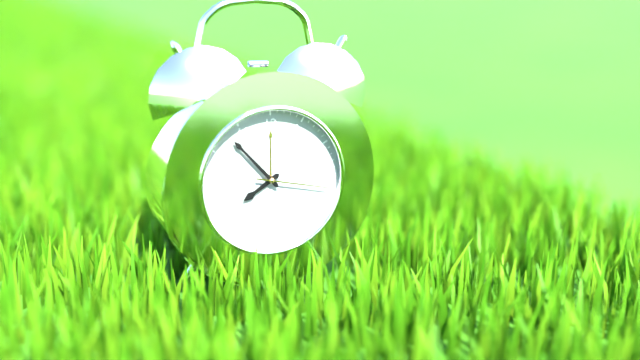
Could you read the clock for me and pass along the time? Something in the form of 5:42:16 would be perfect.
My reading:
7:53:17
